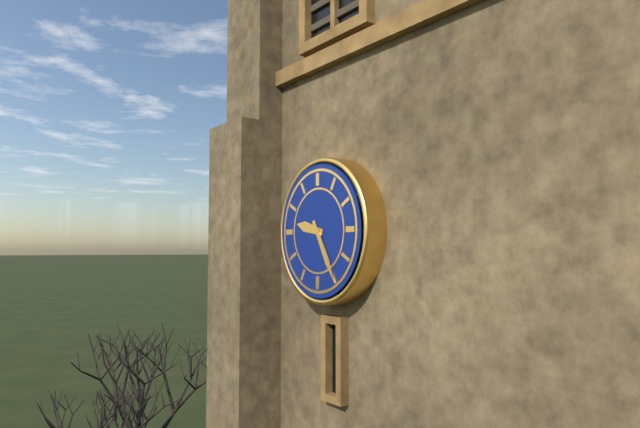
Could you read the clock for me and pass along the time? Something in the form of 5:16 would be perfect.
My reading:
9:25
